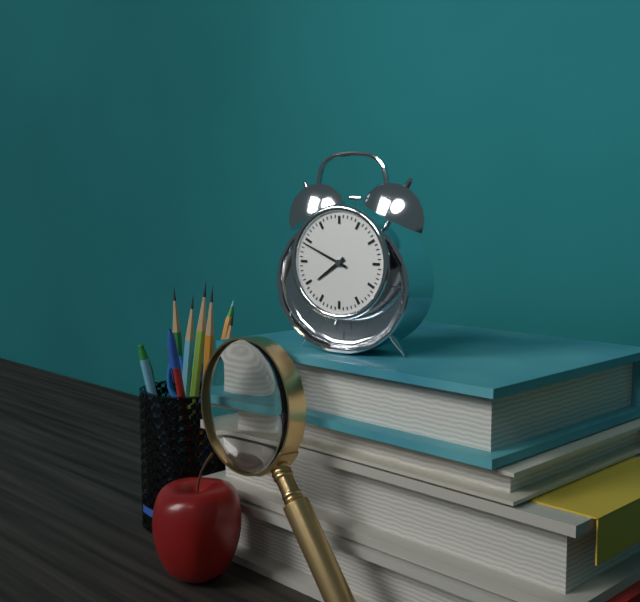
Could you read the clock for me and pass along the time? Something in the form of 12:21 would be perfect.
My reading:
7:49
